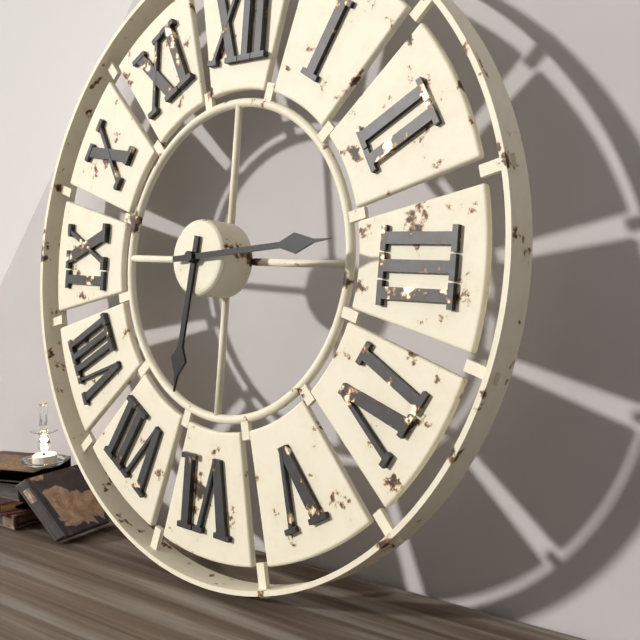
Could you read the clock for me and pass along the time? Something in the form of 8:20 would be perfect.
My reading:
6:14
